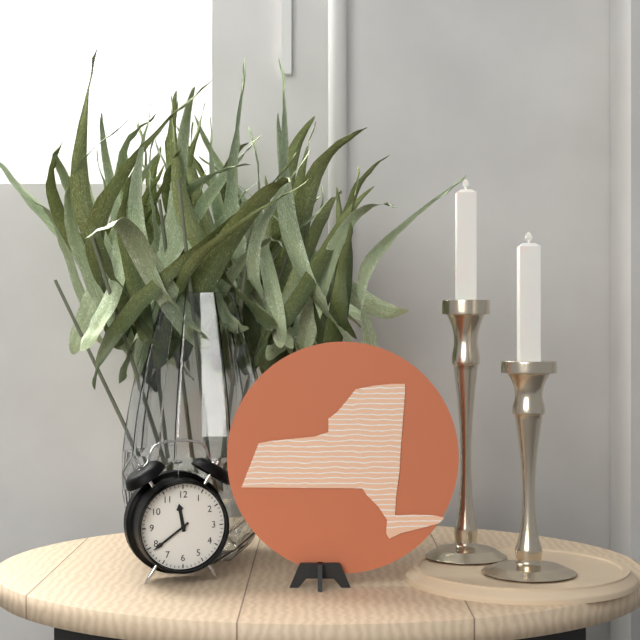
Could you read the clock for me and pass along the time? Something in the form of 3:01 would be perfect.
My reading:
11:39
